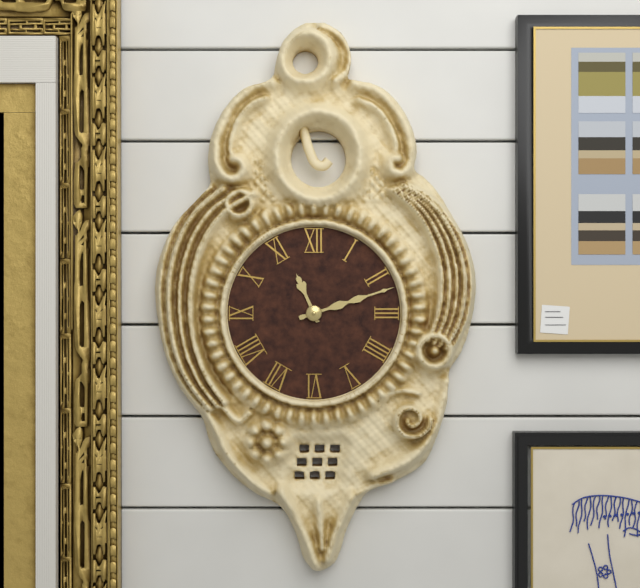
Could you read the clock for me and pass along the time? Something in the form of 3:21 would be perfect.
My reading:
11:12
